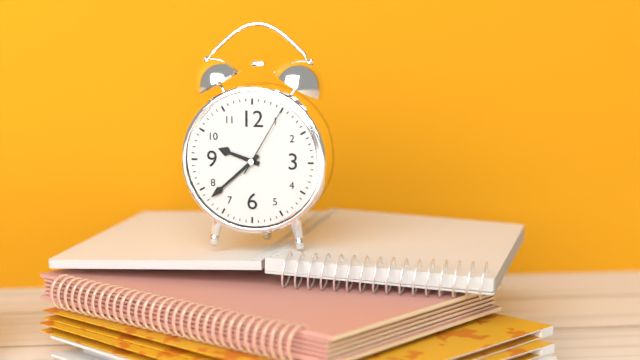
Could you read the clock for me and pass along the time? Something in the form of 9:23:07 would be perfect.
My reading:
9:38:05
